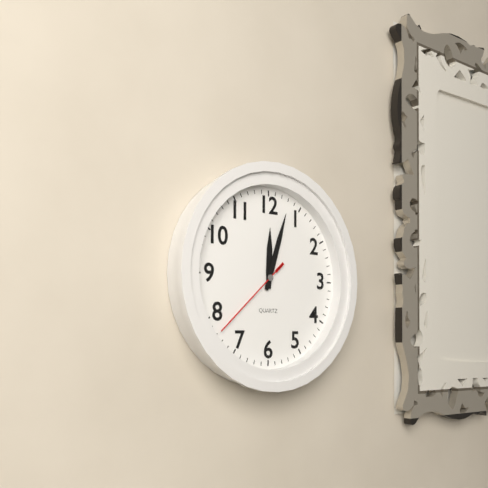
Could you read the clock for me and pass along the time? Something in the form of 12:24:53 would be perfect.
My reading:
12:03:38
